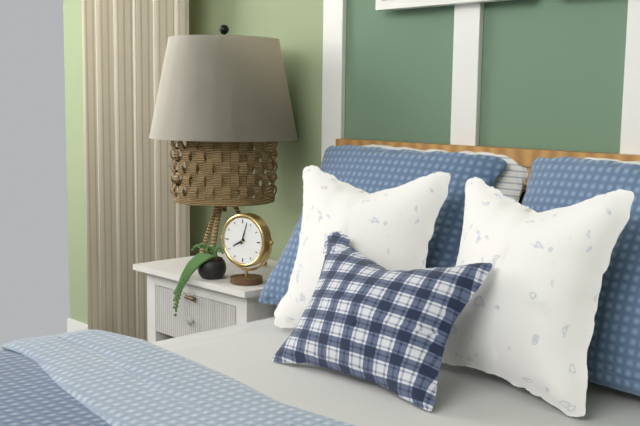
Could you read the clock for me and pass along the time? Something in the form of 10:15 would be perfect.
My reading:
8:03
